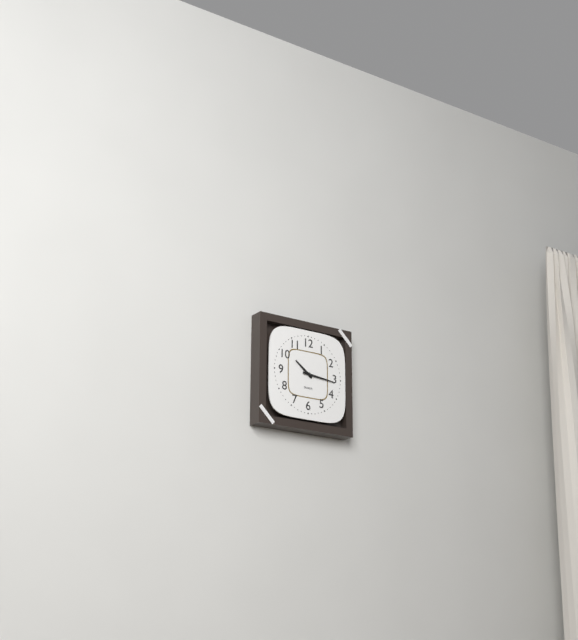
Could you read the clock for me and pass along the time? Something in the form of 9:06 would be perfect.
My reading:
10:16
